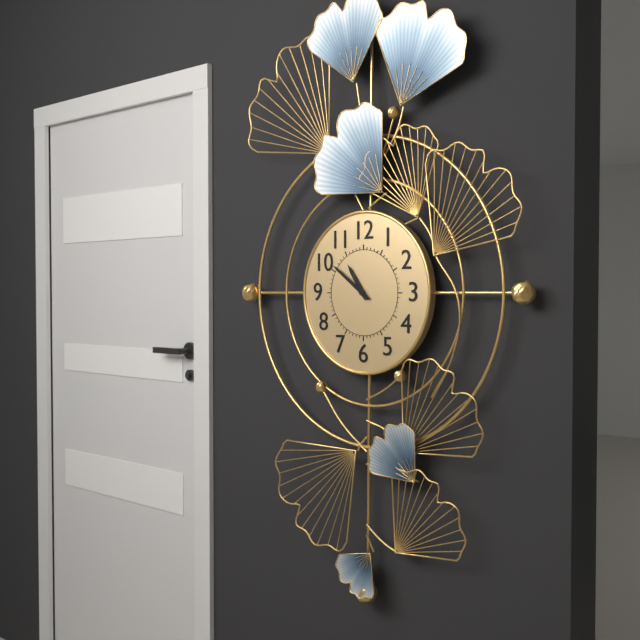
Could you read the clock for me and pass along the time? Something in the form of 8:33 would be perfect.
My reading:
10:51
